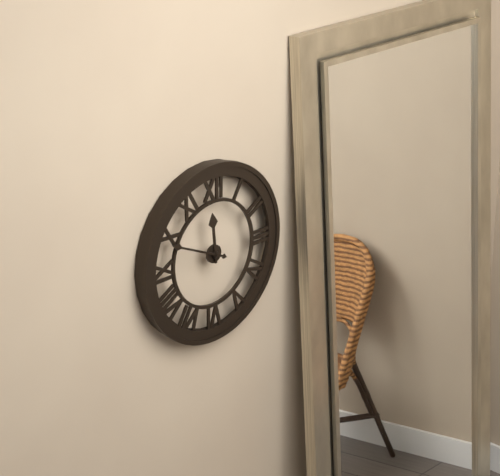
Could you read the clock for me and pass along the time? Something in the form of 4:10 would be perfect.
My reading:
11:49
